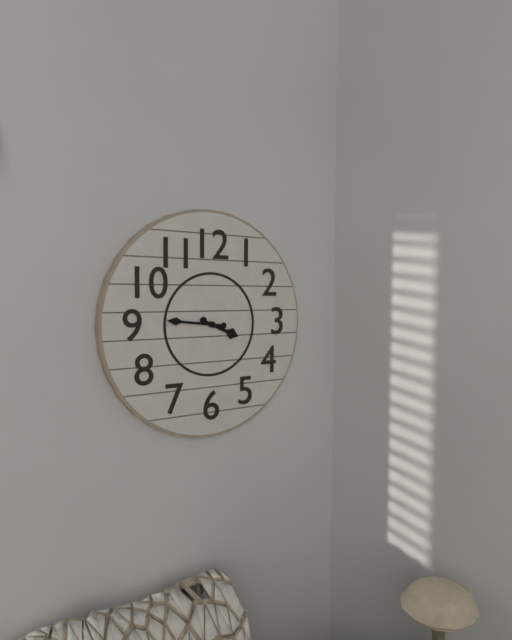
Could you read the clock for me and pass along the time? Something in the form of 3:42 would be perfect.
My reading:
3:46
